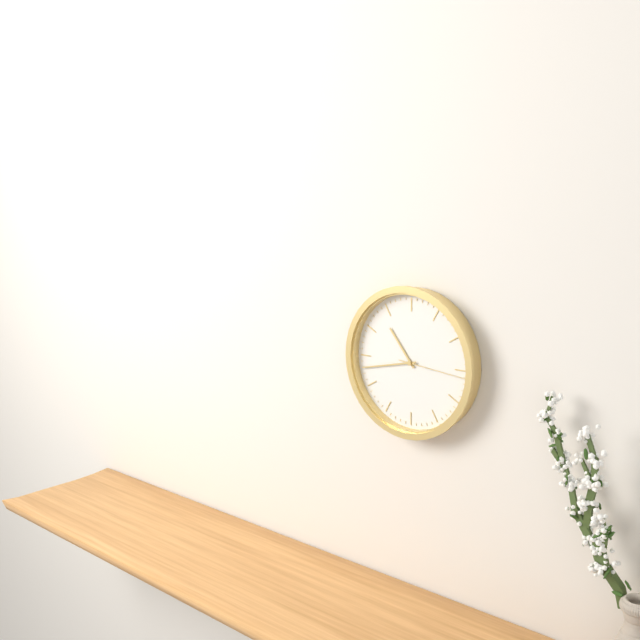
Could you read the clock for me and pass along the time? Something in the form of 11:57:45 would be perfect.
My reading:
10:43:16
